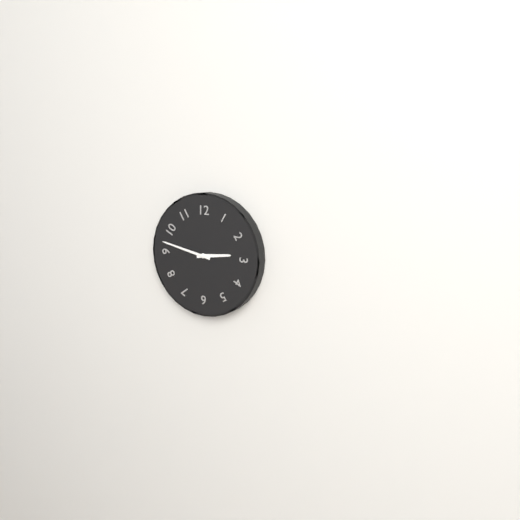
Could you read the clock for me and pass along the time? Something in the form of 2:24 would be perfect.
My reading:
2:47
